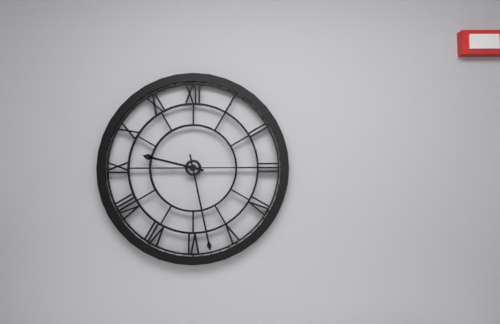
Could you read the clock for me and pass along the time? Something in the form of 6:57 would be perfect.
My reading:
9:28
